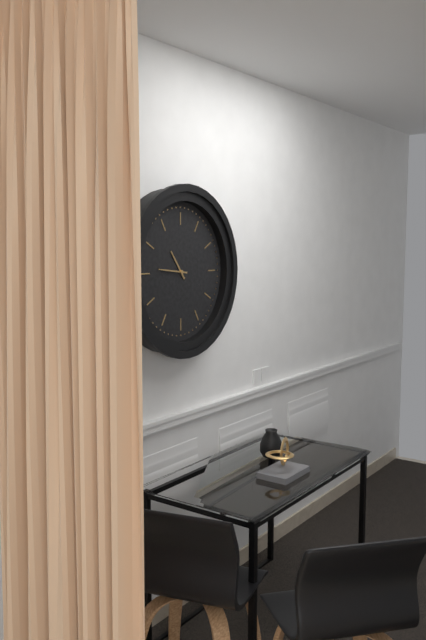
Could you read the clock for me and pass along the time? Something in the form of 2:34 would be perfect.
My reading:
10:46
